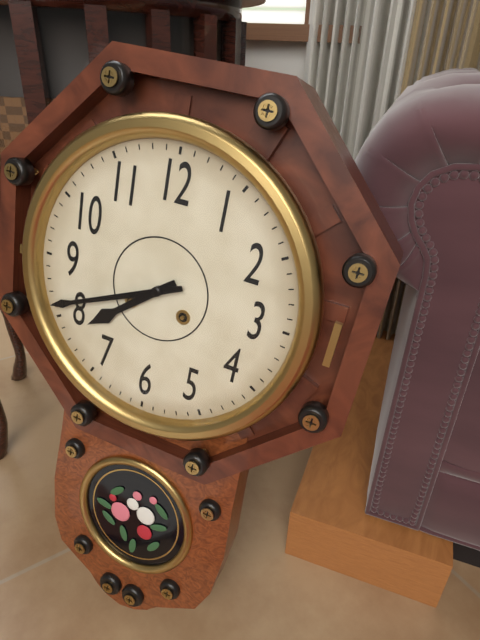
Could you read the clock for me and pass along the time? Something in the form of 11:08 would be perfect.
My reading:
7:41
